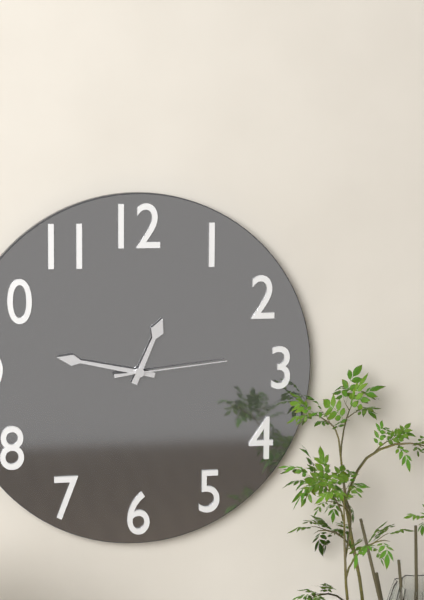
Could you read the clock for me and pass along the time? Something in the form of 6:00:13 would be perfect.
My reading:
12:47:14
